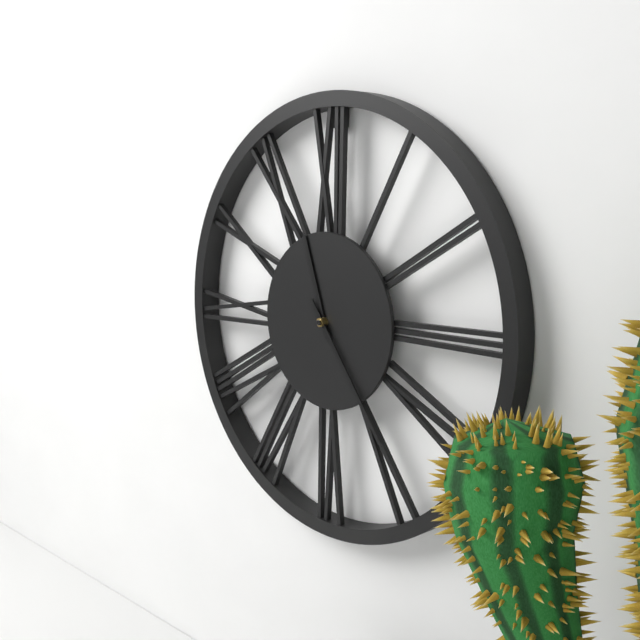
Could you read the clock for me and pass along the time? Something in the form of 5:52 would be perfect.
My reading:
11:24
